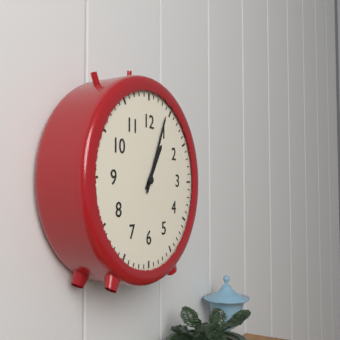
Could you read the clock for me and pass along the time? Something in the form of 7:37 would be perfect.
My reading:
1:04
